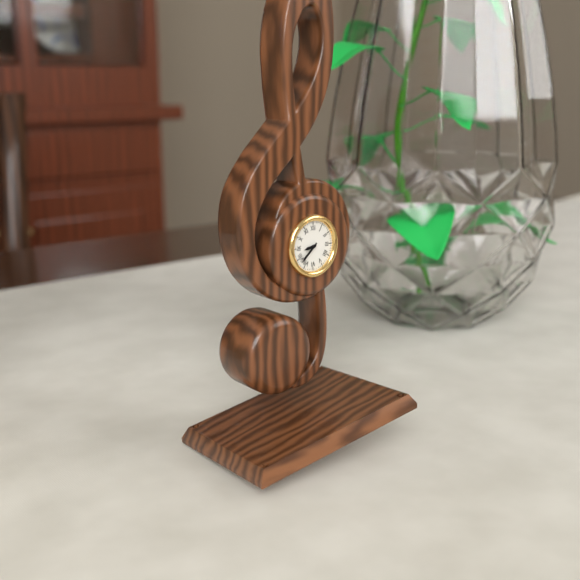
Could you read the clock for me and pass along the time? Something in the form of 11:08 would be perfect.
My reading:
8:38
